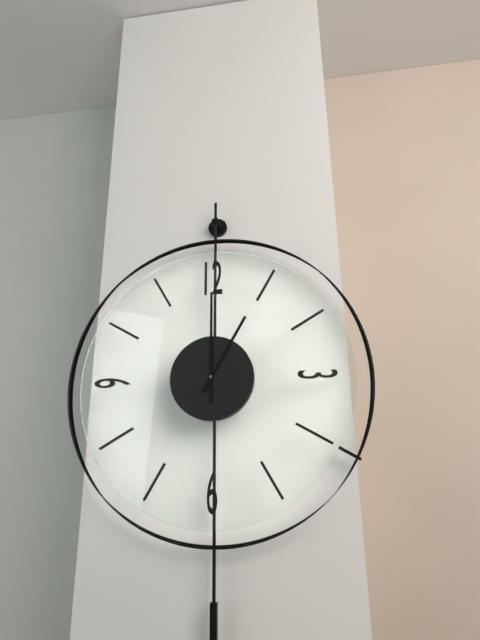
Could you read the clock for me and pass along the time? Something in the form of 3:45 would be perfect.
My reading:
1:00
